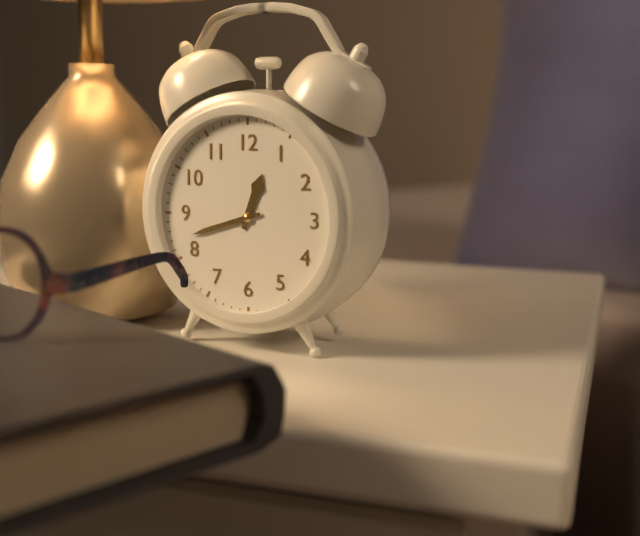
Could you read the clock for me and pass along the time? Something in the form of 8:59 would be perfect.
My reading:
12:42
